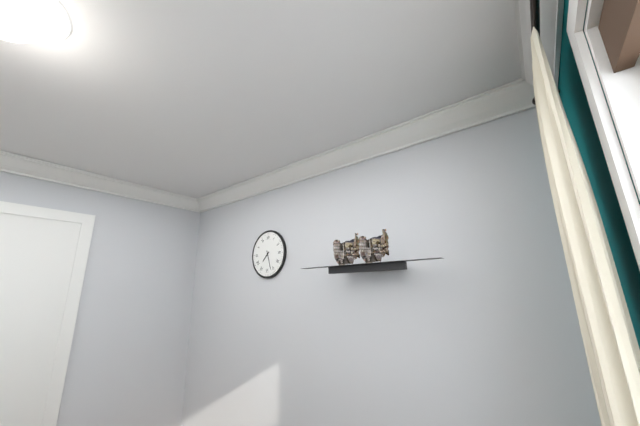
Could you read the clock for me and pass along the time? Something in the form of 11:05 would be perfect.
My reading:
7:27
